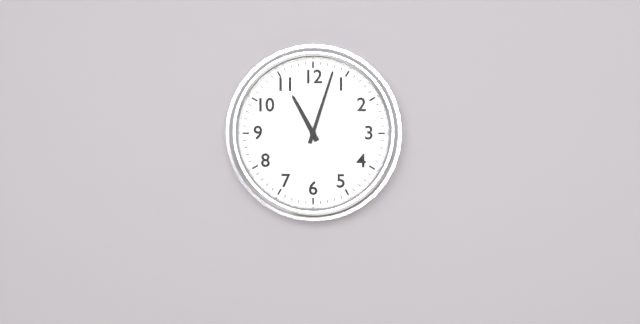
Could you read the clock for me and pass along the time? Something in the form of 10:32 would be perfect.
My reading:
11:03
